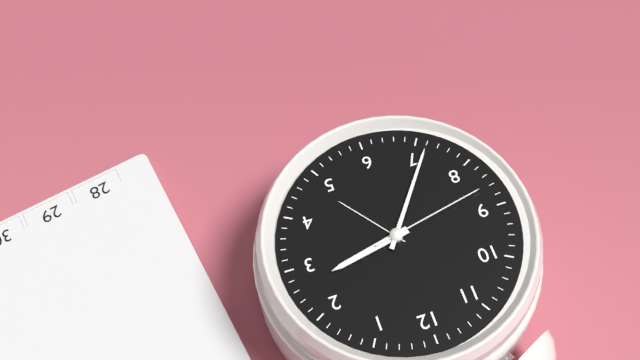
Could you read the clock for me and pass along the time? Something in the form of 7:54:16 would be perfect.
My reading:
2:36:43
